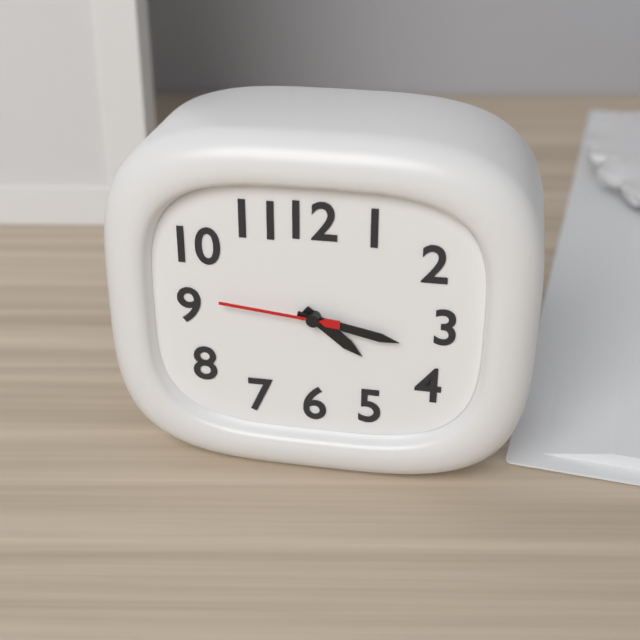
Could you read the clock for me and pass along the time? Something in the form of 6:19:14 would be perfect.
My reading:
4:17:46
